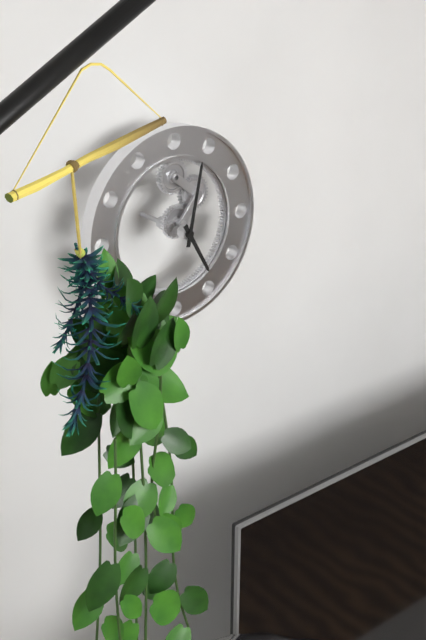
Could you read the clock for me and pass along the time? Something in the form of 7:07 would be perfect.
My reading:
5:02
